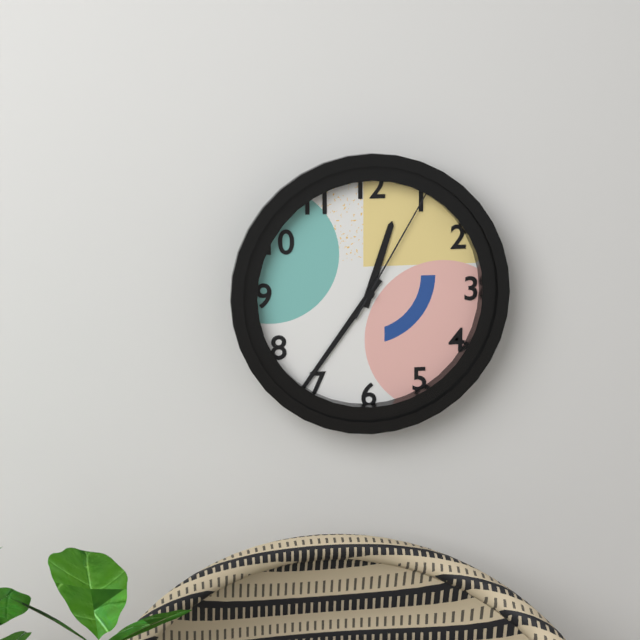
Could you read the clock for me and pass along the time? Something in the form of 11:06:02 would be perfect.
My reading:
12:36:05
